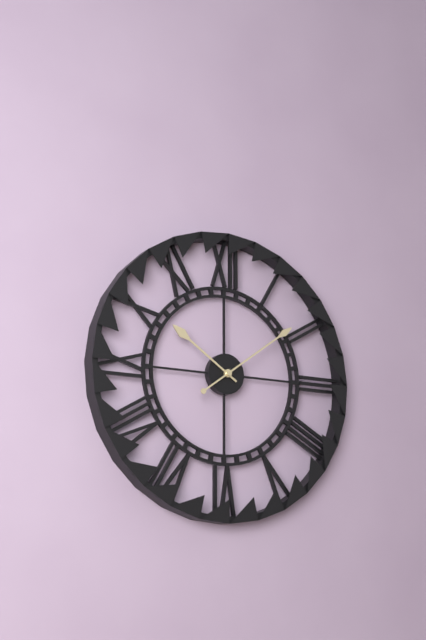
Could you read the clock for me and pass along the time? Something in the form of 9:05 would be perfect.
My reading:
10:09
